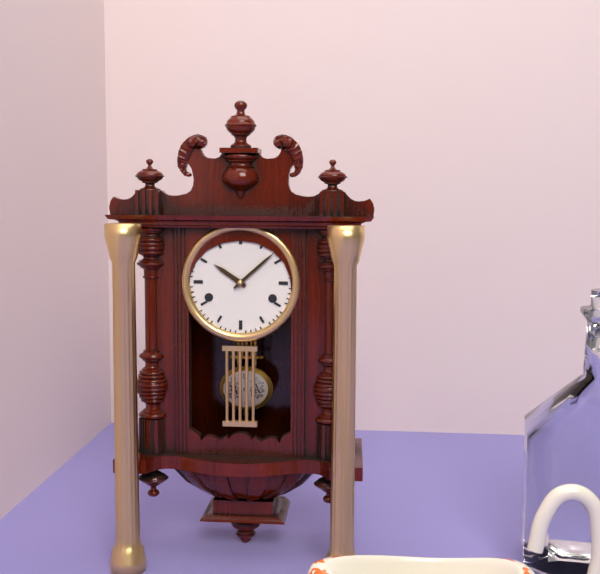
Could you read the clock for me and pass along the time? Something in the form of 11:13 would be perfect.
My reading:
10:08
